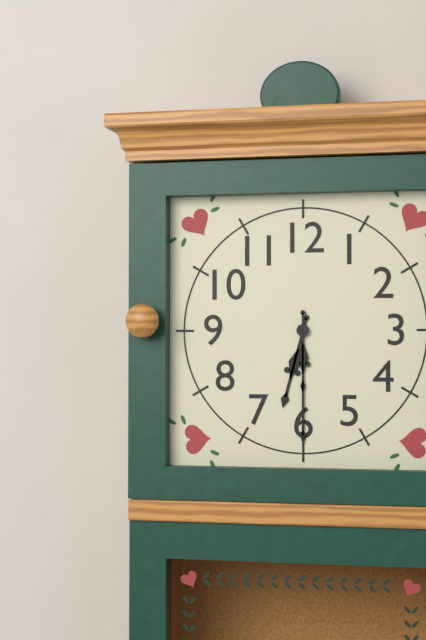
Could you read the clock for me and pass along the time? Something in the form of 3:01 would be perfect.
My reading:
6:30
